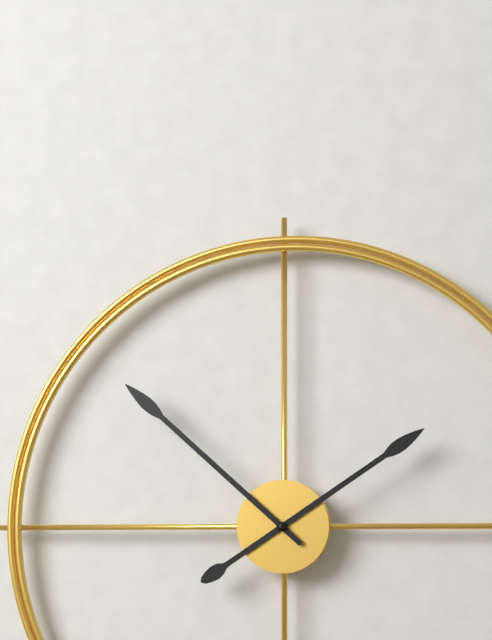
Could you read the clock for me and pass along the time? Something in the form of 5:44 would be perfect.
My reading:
1:52
